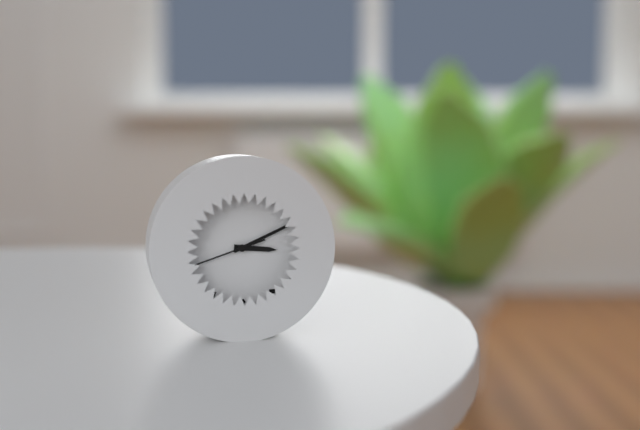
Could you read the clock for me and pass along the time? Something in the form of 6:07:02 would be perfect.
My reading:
3:11:42
